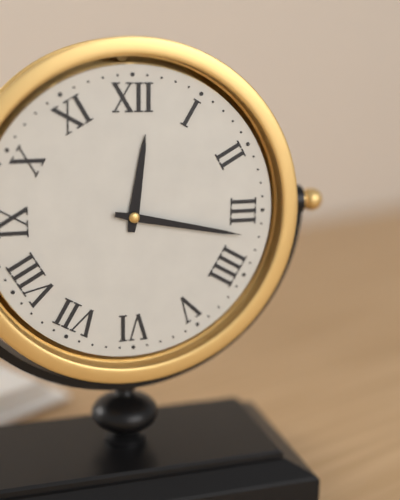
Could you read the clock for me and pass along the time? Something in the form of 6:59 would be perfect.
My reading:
12:17
